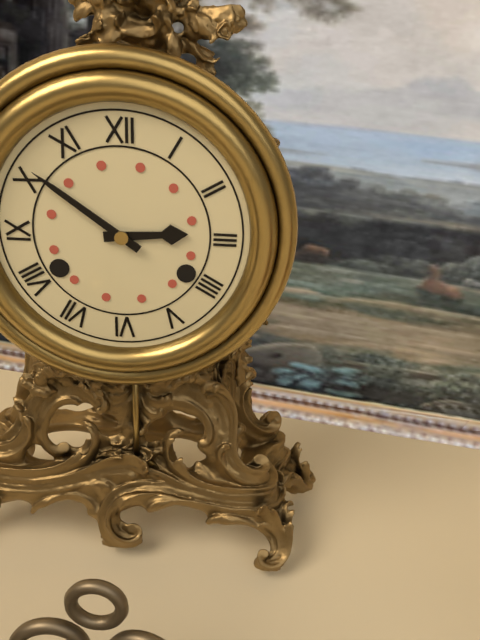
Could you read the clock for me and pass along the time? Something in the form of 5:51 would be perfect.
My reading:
2:51
